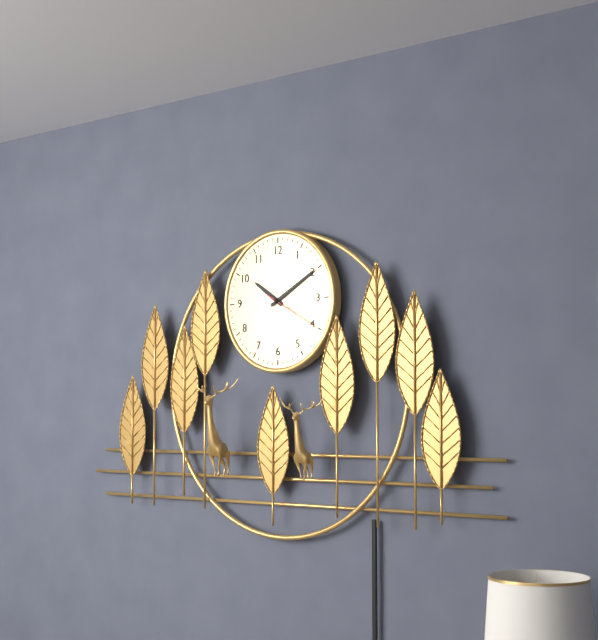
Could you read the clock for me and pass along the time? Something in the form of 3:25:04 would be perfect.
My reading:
10:10:20
